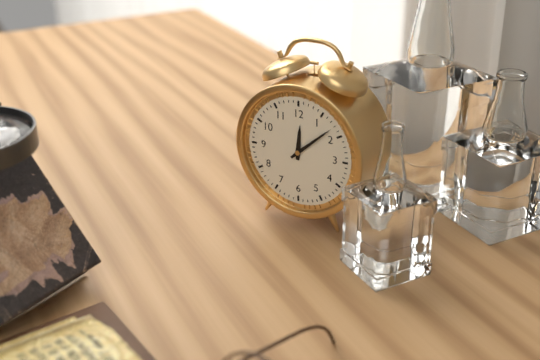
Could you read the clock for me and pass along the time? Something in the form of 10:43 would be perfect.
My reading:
12:08
